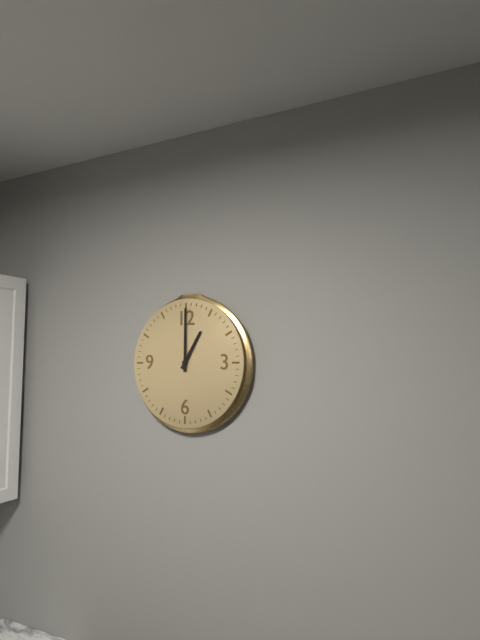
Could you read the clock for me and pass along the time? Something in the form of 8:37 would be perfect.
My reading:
1:00
